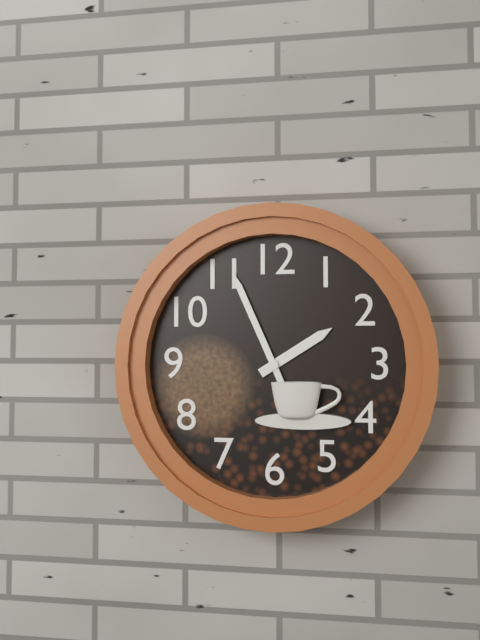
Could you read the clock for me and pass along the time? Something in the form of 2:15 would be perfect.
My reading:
1:56
